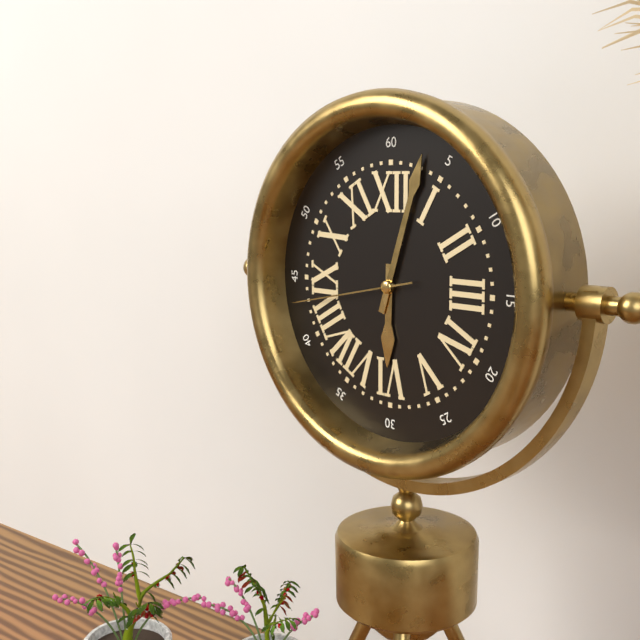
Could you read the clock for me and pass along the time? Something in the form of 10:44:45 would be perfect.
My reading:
6:03:43
